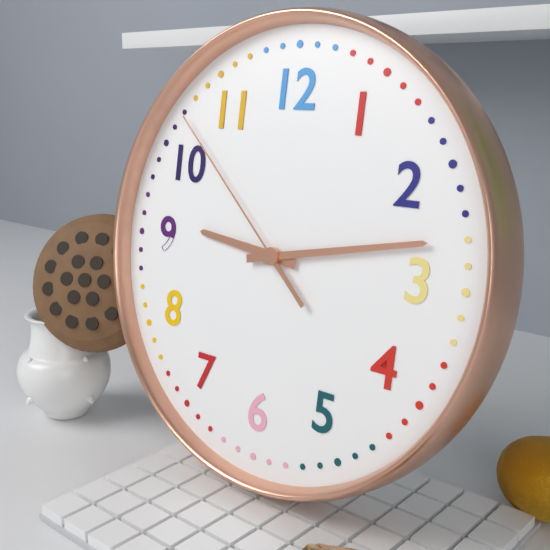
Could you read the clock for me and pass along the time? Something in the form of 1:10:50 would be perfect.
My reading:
9:13:52
